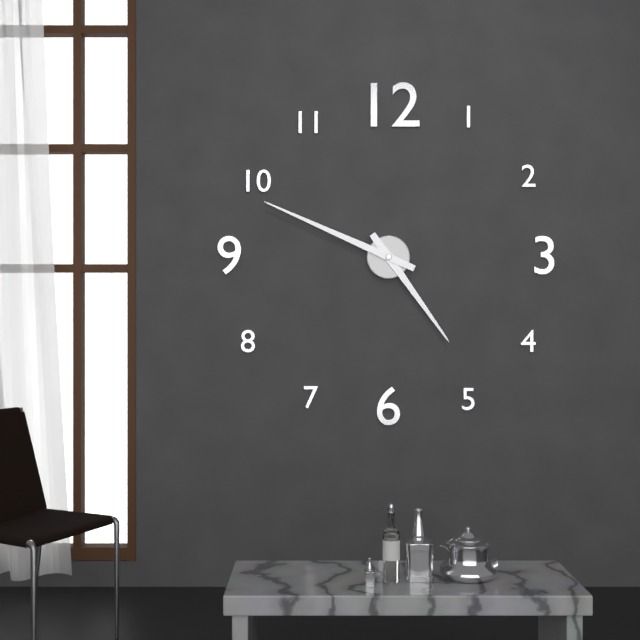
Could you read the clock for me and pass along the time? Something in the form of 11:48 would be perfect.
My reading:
4:49
